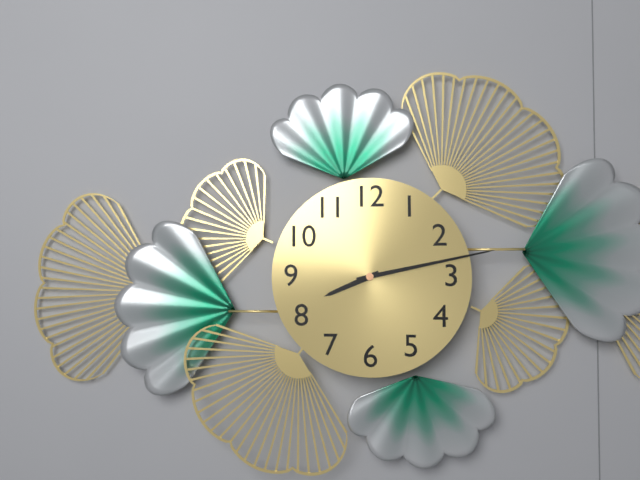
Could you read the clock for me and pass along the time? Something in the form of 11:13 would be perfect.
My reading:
8:13
